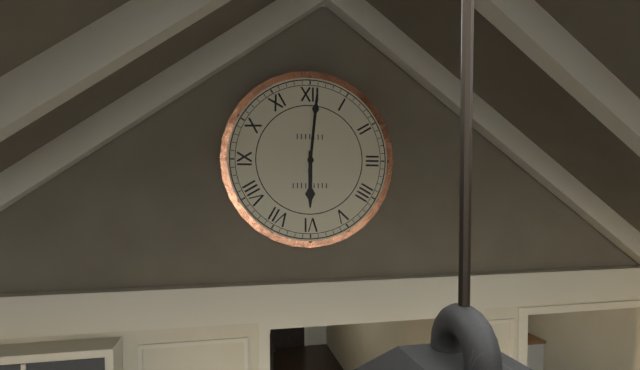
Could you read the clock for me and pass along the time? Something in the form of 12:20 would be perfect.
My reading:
6:01
